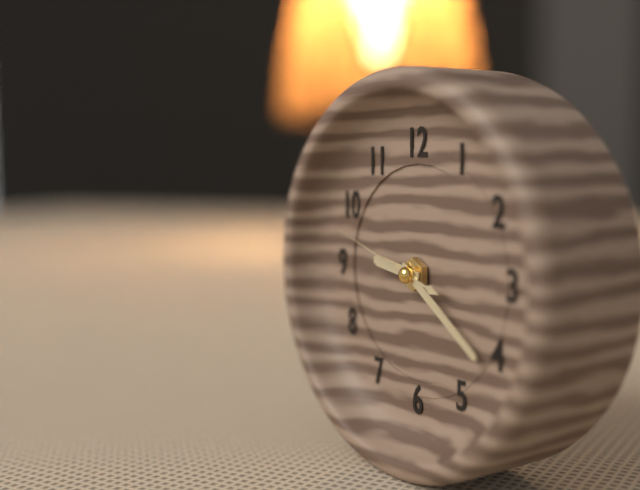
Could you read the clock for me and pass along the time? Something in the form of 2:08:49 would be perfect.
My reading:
9:21:48
